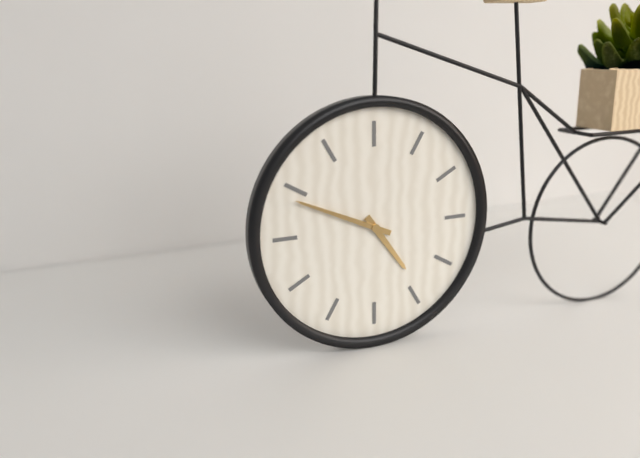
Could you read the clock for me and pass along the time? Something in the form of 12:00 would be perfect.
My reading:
4:49
